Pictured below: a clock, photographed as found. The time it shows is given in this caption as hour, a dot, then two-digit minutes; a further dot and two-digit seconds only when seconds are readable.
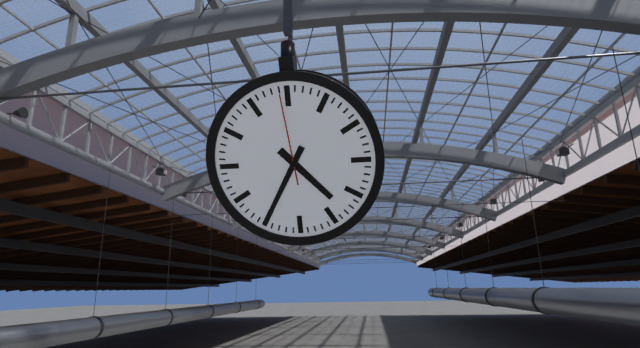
4.35.59
